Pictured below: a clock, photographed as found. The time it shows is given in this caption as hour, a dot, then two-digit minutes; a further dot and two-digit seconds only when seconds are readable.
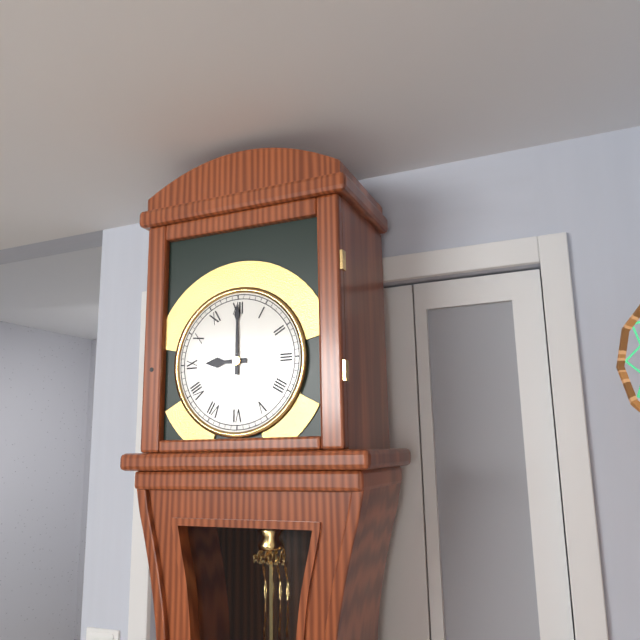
9.00
